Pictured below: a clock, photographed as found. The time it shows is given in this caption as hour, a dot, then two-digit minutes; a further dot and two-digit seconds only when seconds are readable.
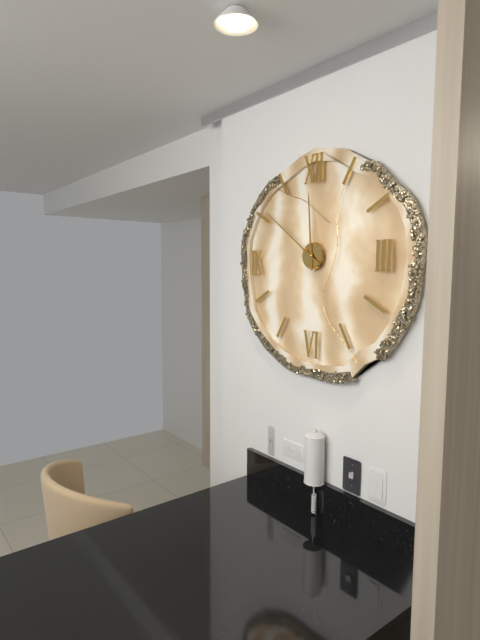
11.51
